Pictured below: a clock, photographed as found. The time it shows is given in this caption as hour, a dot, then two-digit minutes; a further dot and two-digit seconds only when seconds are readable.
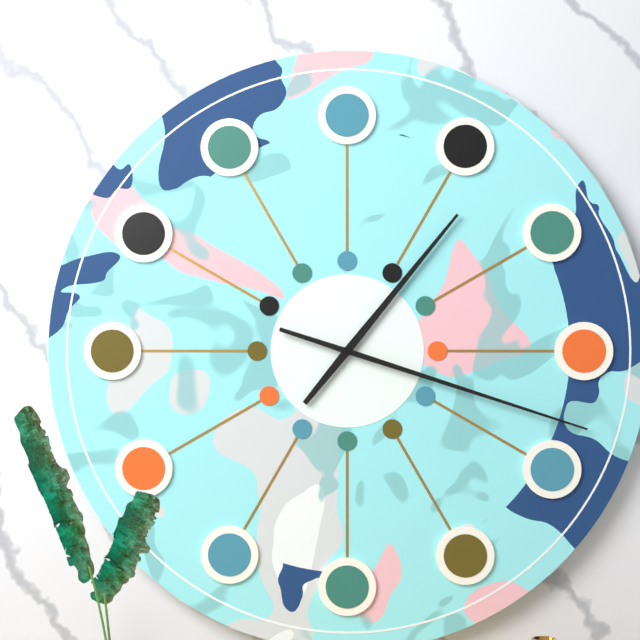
1.18
